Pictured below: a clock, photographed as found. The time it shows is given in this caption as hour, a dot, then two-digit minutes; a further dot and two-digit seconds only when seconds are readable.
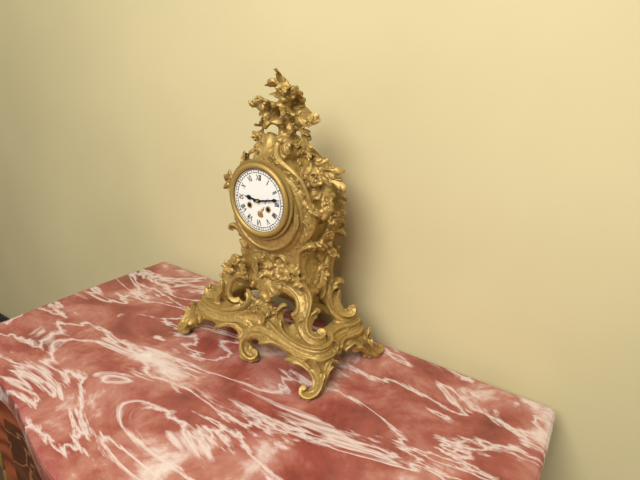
9.13
